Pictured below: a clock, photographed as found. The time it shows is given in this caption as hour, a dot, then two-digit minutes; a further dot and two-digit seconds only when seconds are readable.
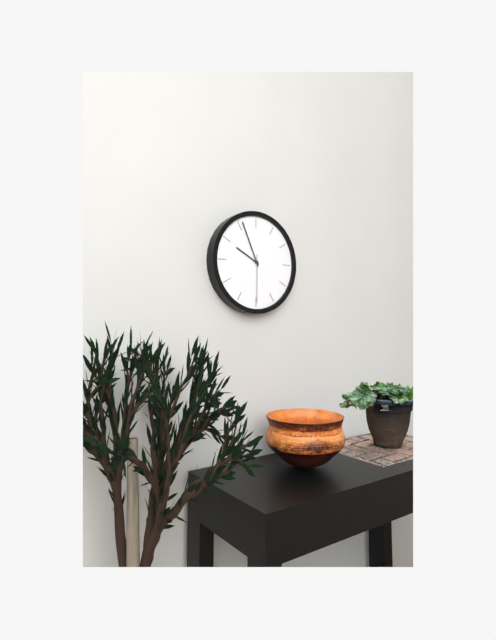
9.56.30
